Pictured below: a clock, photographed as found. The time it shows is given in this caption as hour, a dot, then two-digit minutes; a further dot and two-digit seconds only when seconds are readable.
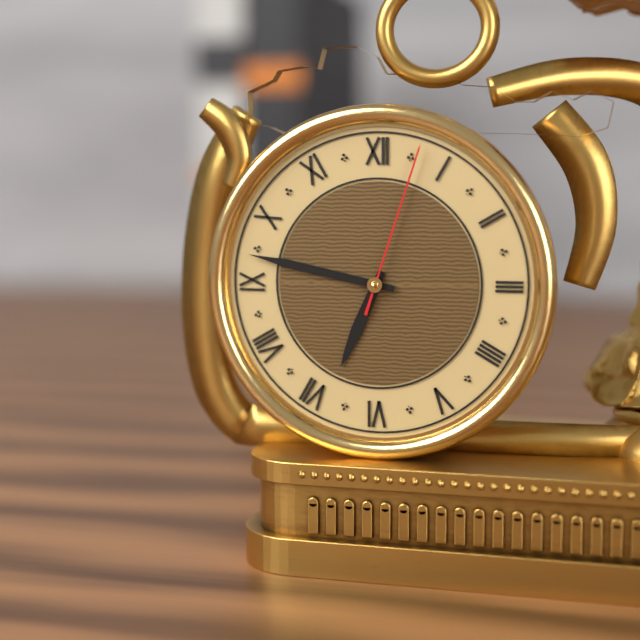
6.47.03
